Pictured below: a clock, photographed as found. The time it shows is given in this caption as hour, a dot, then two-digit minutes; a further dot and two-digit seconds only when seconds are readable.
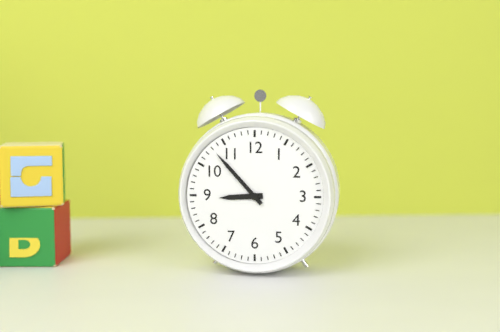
8.53
